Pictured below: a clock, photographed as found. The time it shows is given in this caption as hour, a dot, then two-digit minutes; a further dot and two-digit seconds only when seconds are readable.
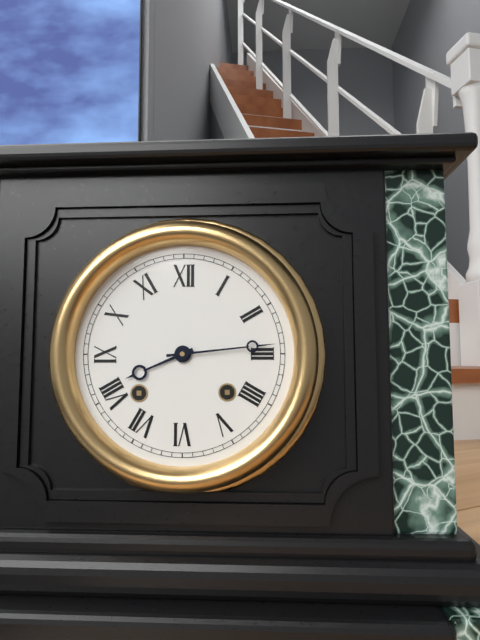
8.14
